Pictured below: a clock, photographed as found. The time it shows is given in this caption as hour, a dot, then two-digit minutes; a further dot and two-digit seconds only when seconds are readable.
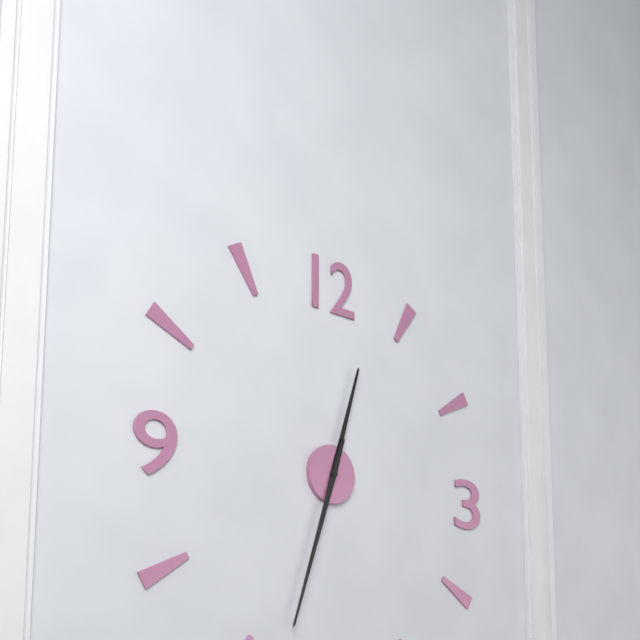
12.33
